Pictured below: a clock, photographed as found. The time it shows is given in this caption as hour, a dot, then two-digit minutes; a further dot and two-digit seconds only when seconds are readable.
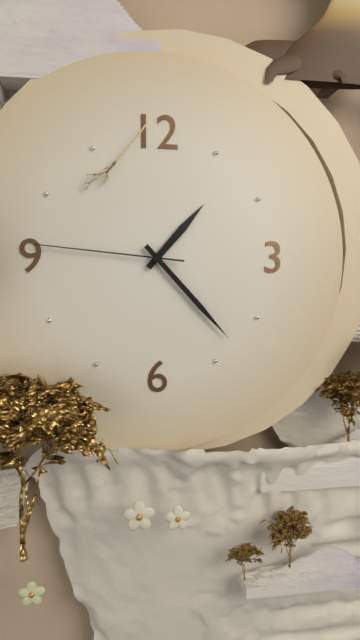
1.23.46
